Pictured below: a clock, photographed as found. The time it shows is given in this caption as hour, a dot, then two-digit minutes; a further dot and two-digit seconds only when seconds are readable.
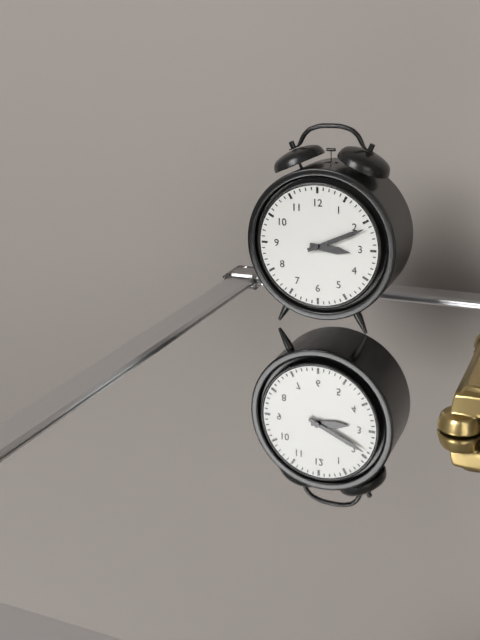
3.11
